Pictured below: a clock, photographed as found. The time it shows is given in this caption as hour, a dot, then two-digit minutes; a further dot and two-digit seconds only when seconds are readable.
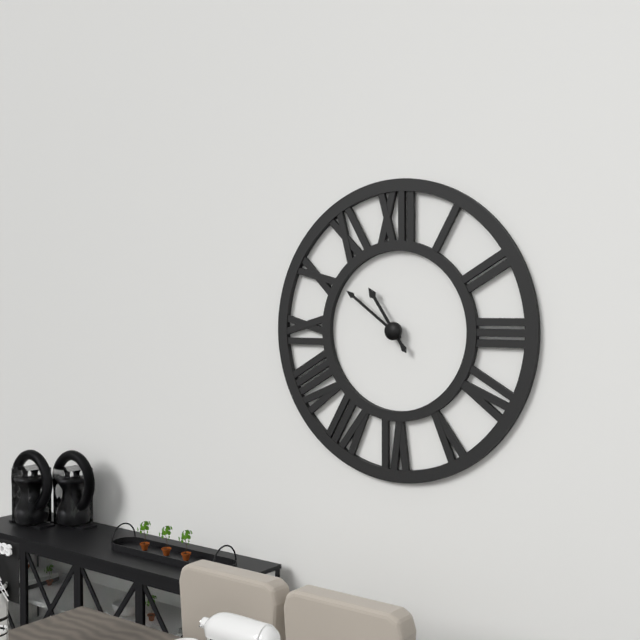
10.51
